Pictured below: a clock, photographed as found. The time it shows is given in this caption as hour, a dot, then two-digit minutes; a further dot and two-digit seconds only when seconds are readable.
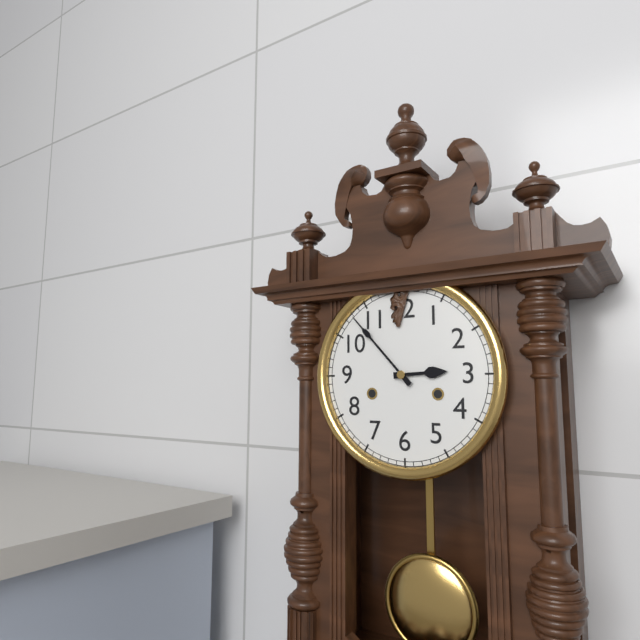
2.53
